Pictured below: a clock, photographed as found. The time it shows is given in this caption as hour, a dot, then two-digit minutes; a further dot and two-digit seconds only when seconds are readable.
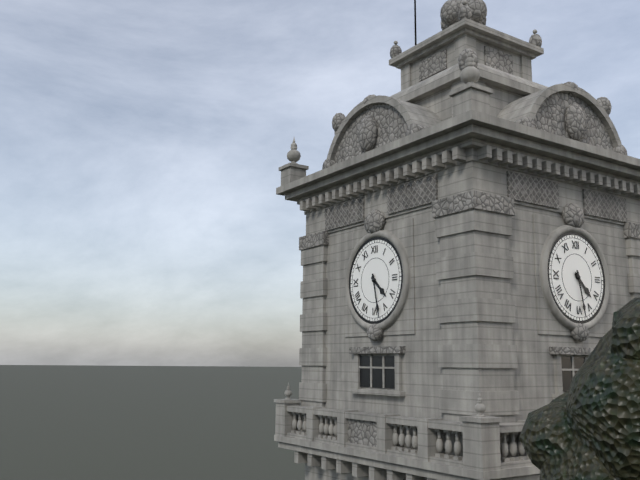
4.28
